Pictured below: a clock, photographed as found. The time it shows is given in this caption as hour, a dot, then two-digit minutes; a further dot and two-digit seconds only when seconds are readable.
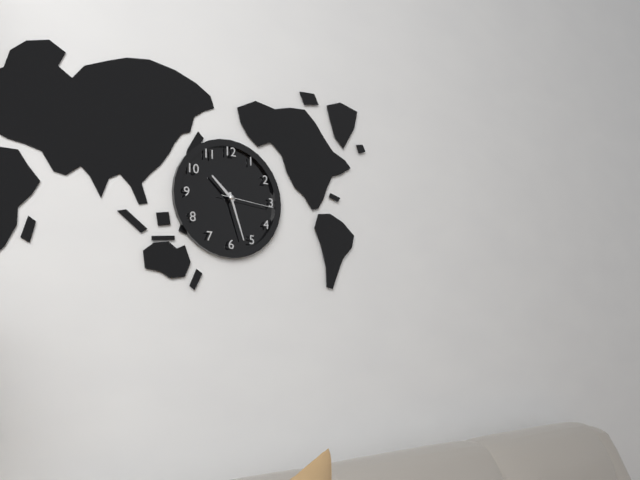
10.27.16
